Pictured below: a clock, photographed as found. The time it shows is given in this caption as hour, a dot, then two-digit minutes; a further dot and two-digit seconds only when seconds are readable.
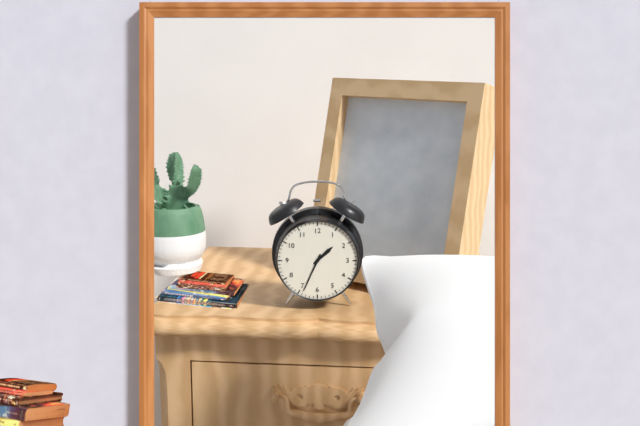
1.34
